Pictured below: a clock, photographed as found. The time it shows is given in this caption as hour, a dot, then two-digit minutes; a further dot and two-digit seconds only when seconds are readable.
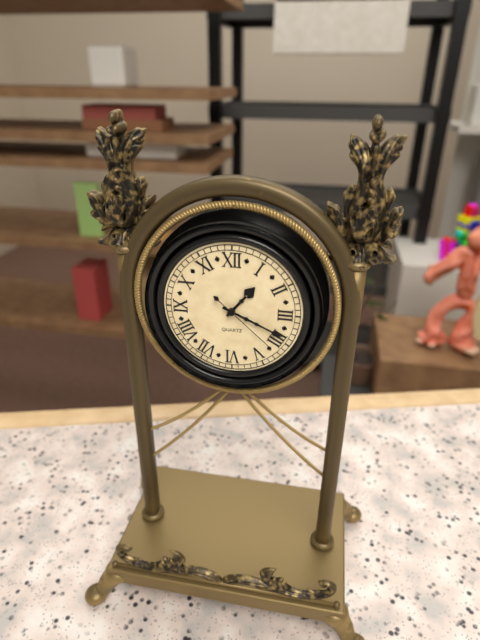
1.19.22
